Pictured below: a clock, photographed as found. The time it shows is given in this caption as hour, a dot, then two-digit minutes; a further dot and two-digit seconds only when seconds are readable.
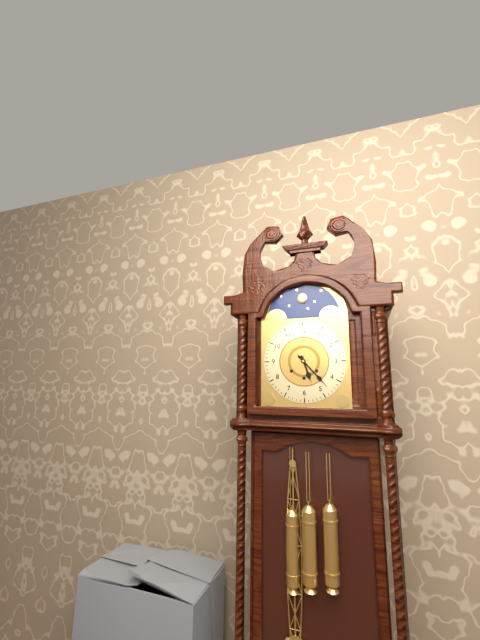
5.23
